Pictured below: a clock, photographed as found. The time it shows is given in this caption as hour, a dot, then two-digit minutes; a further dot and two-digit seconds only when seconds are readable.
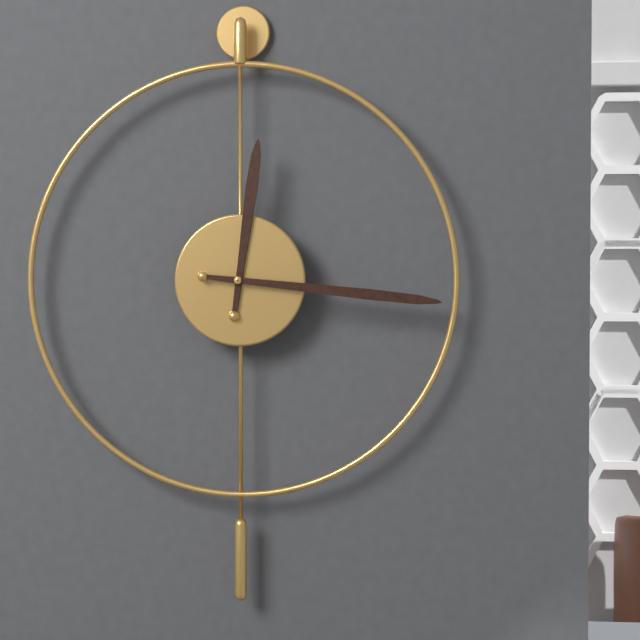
12.16
